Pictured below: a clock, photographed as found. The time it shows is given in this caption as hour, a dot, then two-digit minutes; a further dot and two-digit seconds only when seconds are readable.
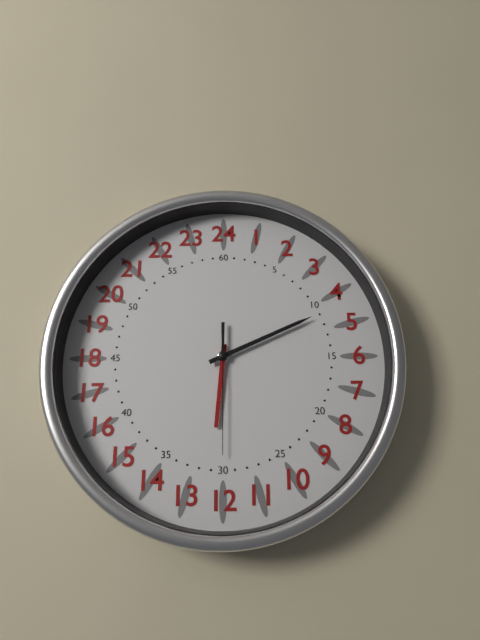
6.11.30
